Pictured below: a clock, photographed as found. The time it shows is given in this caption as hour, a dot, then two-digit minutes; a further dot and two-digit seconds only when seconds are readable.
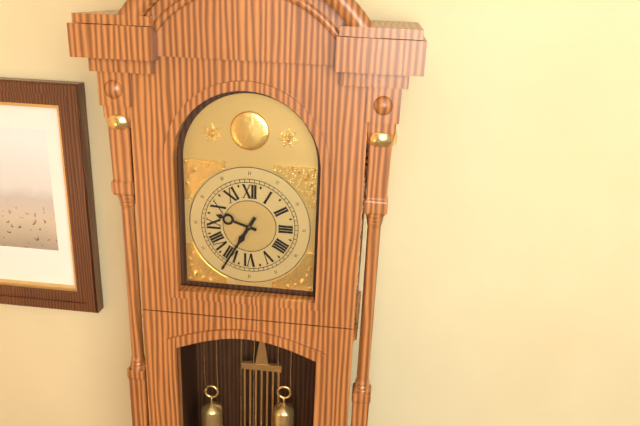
9.35
